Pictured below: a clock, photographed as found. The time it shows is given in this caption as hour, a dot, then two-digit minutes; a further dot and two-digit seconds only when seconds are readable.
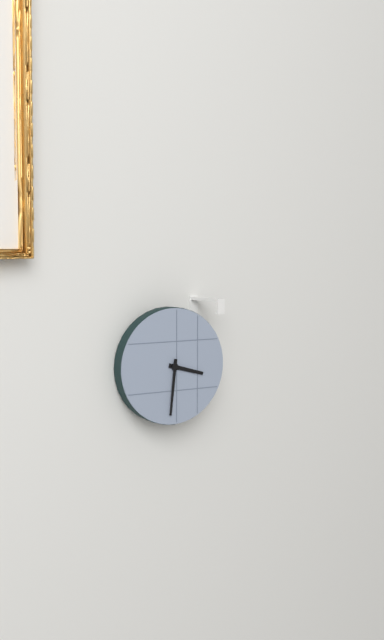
3.31
